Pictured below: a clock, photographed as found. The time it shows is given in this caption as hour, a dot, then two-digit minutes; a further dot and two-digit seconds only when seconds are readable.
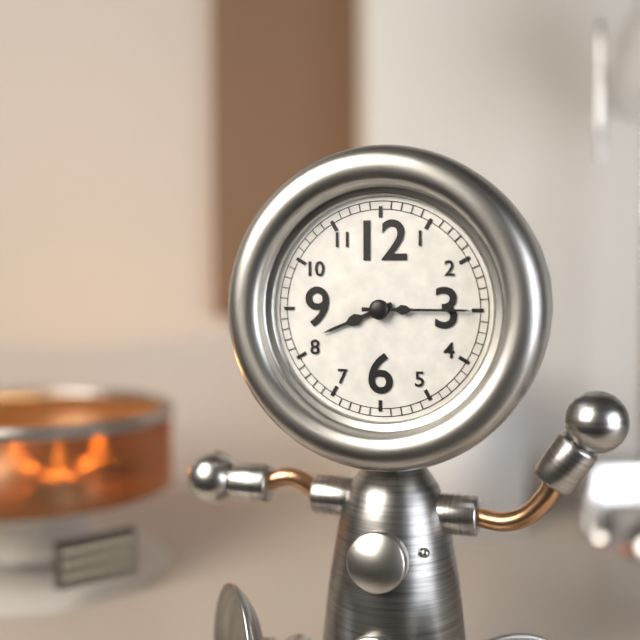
8.15
